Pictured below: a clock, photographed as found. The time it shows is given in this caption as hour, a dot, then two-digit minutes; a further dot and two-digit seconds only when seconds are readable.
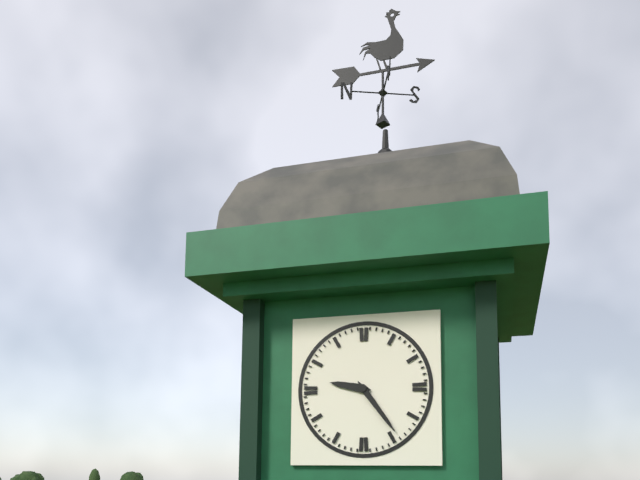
9.24
